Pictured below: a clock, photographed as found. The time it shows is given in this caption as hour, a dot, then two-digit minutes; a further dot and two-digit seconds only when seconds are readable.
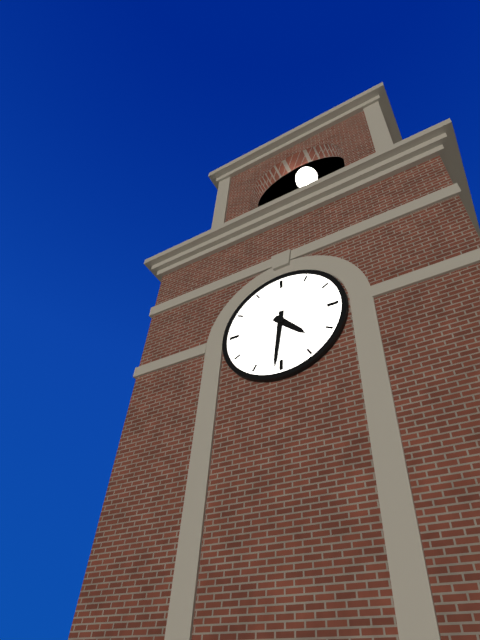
4.31
